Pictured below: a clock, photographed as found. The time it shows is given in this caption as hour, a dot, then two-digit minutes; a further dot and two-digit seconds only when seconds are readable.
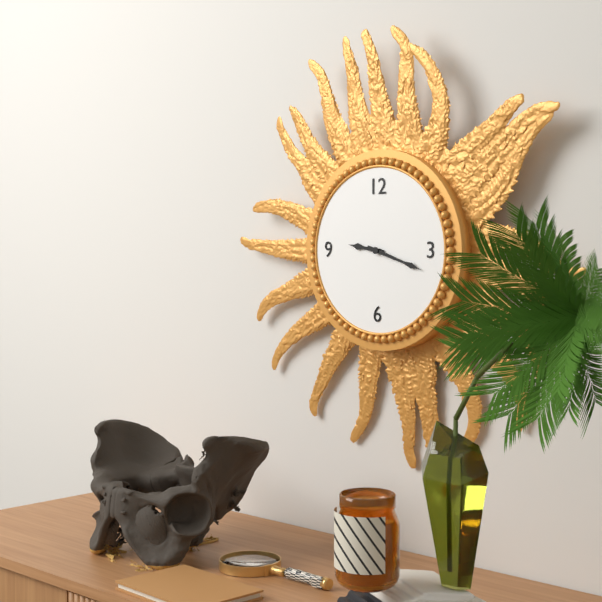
9.18
